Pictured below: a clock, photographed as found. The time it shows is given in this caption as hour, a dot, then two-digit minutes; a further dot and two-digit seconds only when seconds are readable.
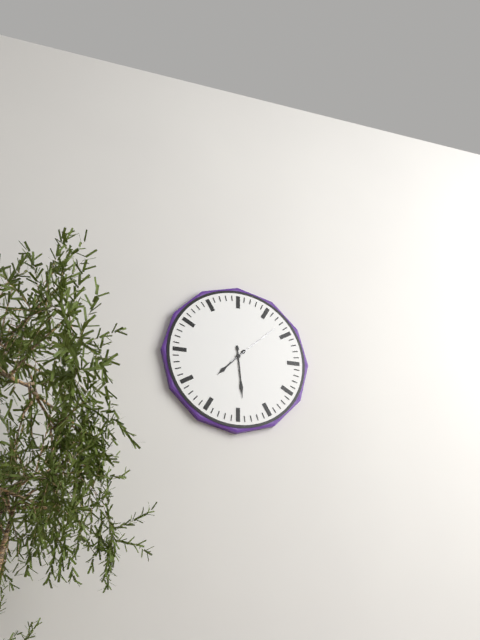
7.29.08
